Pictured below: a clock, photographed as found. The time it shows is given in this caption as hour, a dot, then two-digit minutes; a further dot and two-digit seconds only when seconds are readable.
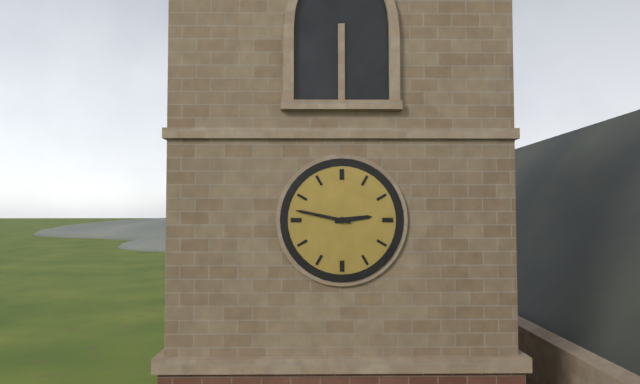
2.47
